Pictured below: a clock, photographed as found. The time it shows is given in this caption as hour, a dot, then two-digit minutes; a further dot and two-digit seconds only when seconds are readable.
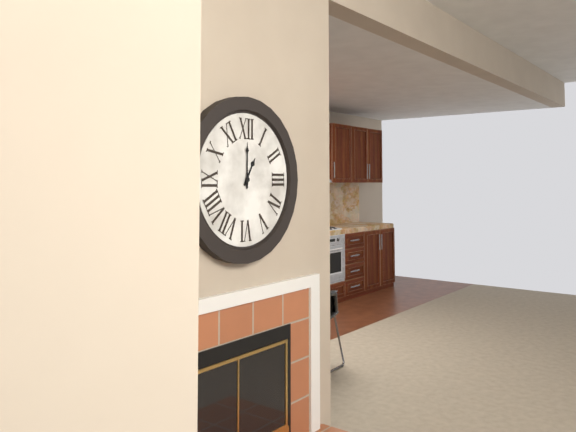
1.00
